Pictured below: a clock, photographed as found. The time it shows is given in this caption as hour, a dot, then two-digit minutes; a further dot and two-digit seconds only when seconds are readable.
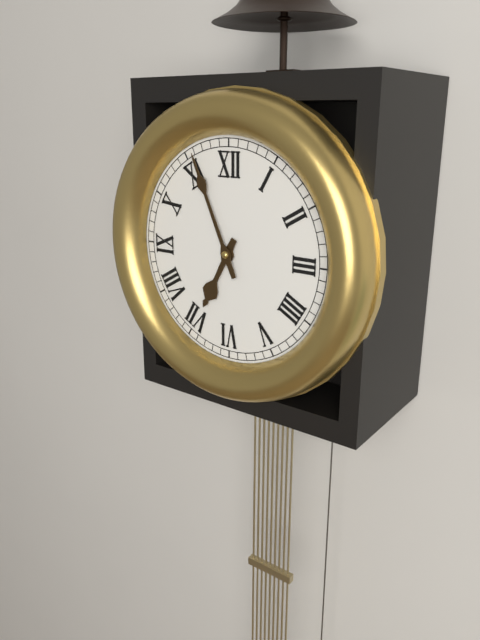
6.56
